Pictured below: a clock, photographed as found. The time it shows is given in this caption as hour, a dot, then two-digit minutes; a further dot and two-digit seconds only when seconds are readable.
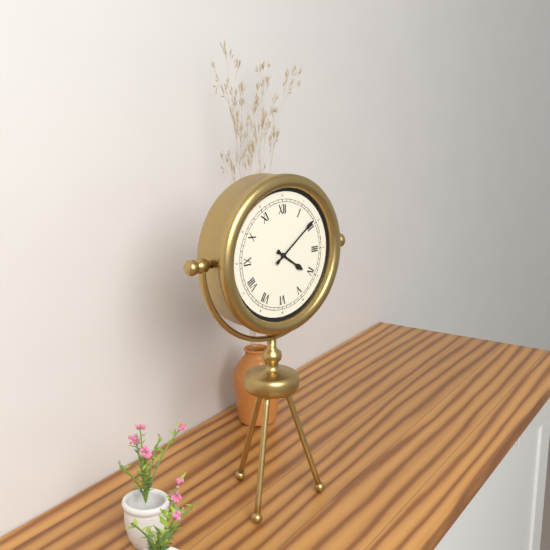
4.09
